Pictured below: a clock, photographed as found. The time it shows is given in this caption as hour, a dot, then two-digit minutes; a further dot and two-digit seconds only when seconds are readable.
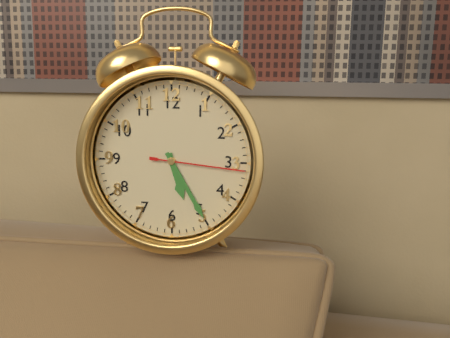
5.25.16
